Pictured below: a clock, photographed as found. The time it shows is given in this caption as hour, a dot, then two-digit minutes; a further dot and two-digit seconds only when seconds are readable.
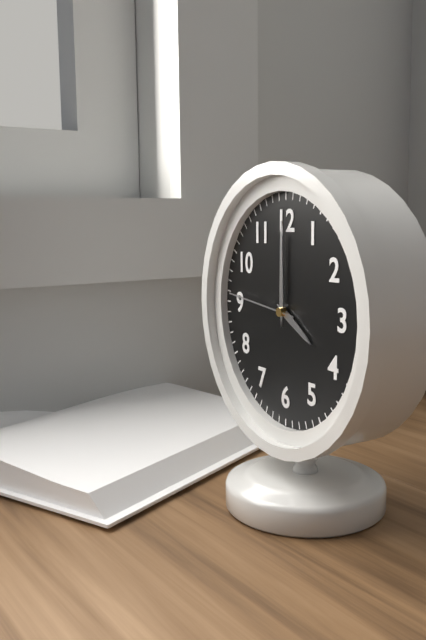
4.00.46
